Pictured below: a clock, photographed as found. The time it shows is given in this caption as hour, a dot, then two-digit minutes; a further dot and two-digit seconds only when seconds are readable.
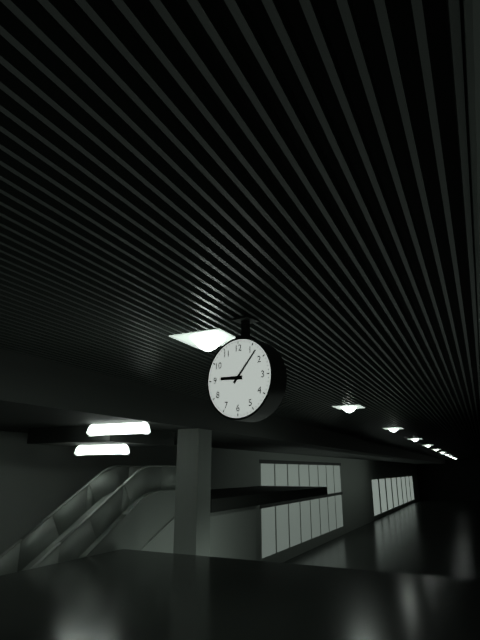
9.07
